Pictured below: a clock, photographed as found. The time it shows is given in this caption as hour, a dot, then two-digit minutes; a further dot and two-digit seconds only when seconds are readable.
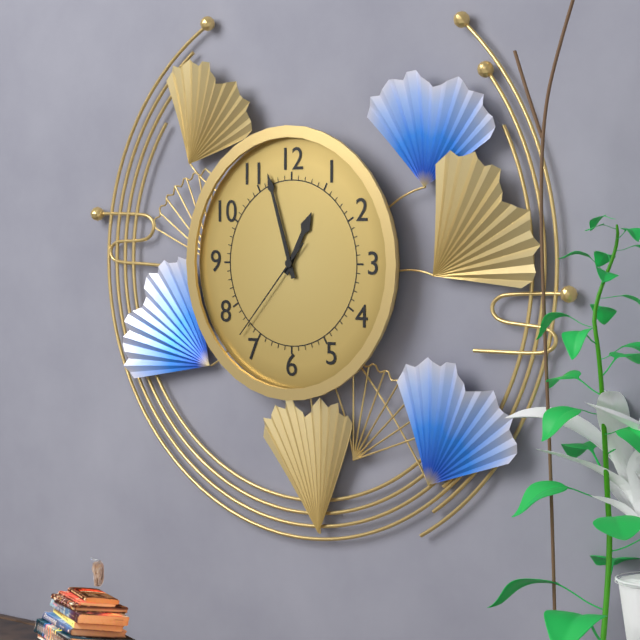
12.57.37
